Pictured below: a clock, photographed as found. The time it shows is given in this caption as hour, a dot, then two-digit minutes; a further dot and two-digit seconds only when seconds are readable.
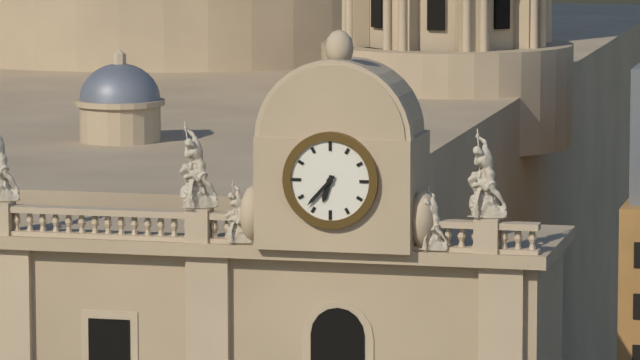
6.37
